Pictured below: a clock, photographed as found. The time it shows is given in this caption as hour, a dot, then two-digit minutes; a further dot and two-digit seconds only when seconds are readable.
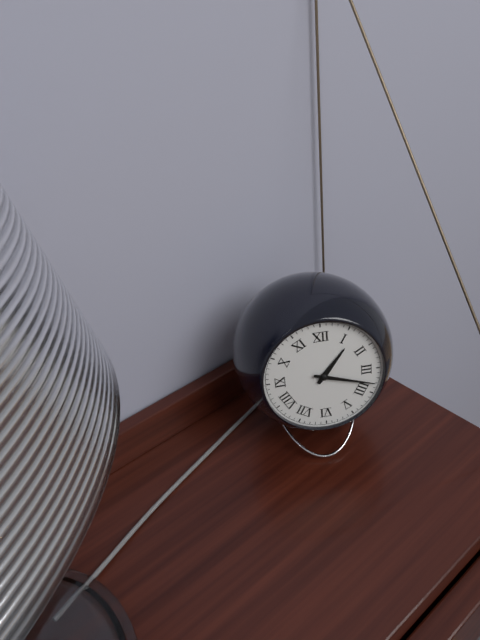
1.18
